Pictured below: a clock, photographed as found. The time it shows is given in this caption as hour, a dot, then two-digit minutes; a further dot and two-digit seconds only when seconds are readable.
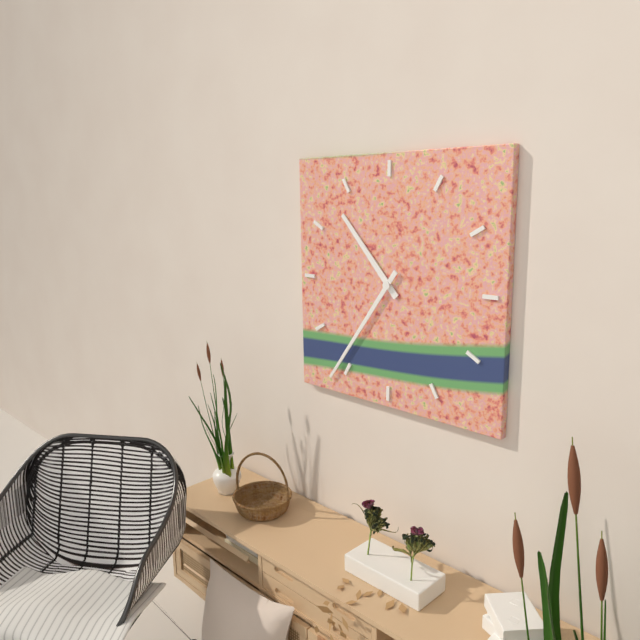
10.36
